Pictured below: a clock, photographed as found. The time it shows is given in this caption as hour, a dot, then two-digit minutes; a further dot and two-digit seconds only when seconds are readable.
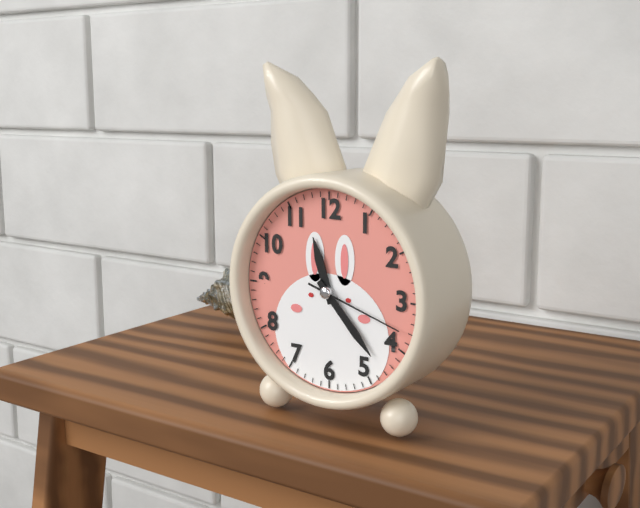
11.23.18
